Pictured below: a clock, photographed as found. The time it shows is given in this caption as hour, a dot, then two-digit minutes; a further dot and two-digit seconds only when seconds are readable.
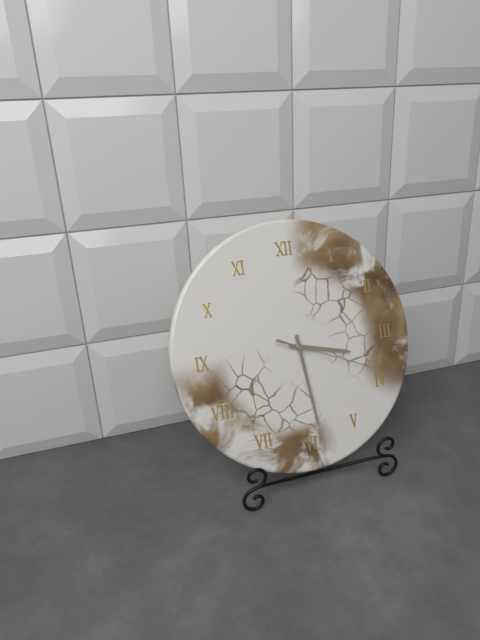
3.29.19
